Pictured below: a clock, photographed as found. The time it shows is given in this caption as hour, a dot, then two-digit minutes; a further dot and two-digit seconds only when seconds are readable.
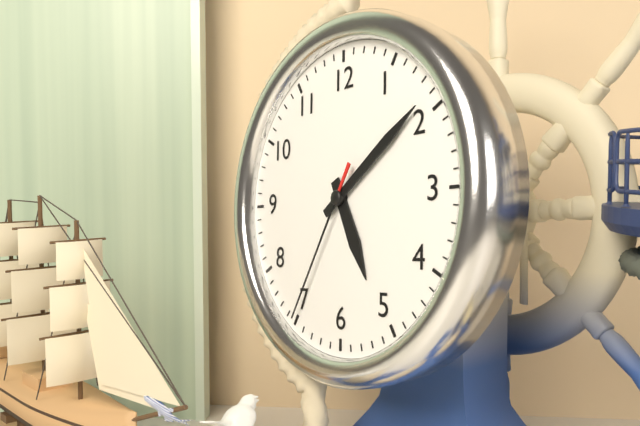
5.09.35
